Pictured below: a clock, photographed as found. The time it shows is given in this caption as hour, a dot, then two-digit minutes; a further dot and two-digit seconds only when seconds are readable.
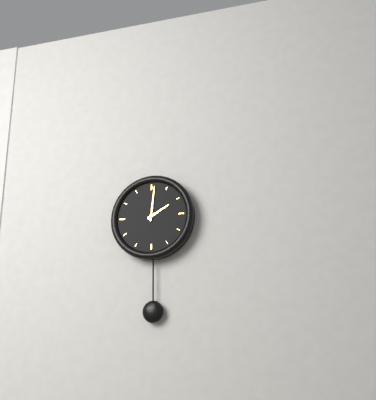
2.01
